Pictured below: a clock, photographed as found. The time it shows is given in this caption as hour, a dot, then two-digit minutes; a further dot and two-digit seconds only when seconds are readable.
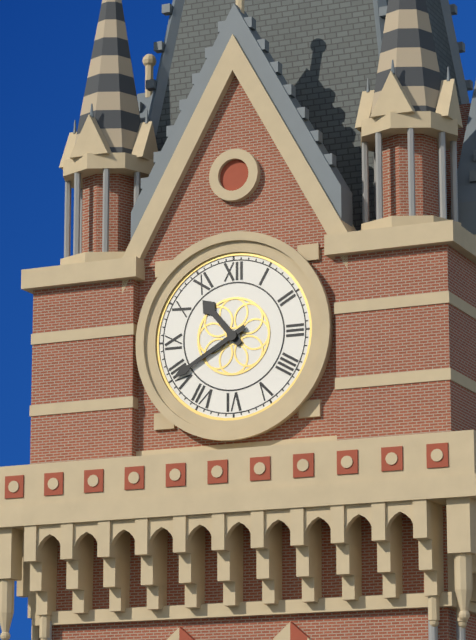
10.40
